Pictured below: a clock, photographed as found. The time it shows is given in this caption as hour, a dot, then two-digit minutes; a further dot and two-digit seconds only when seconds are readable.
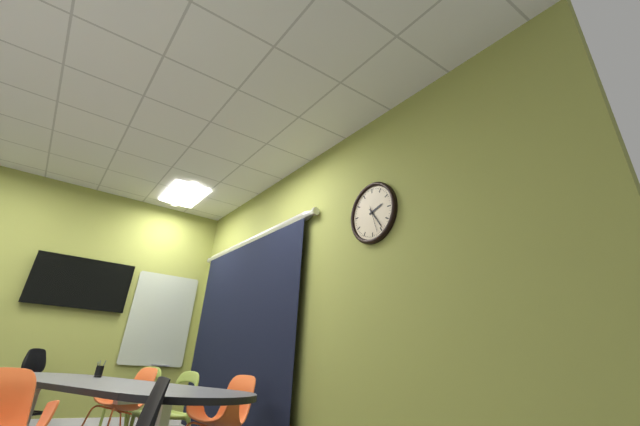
2.24
